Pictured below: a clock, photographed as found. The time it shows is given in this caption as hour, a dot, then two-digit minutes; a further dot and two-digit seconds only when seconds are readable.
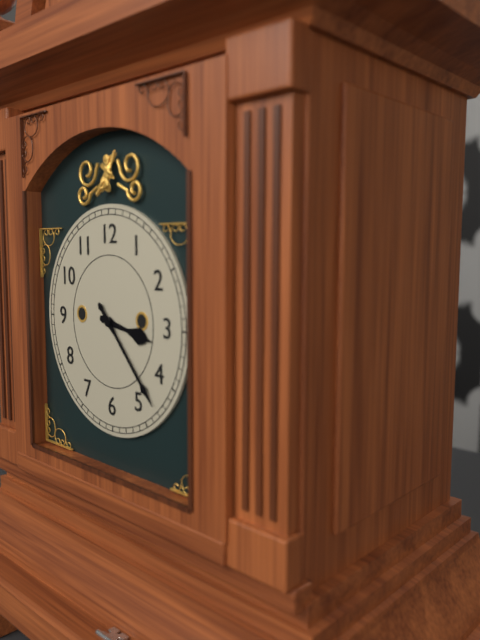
3.23
